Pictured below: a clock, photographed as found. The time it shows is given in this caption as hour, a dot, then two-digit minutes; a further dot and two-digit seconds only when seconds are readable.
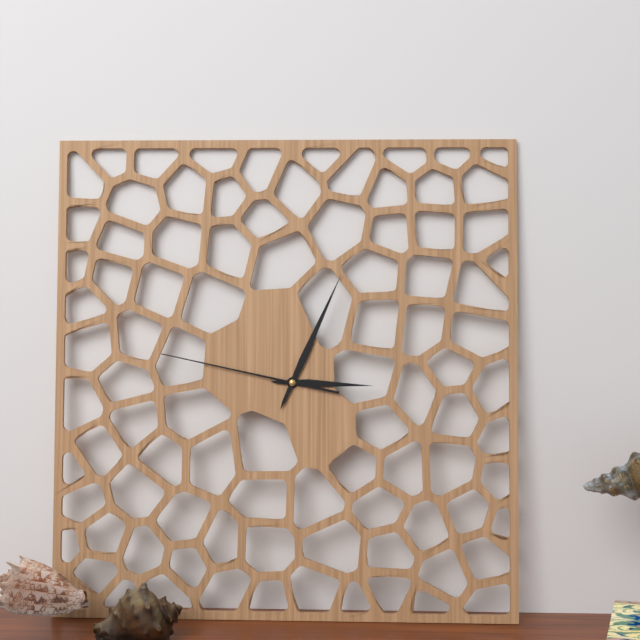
3.04.47
